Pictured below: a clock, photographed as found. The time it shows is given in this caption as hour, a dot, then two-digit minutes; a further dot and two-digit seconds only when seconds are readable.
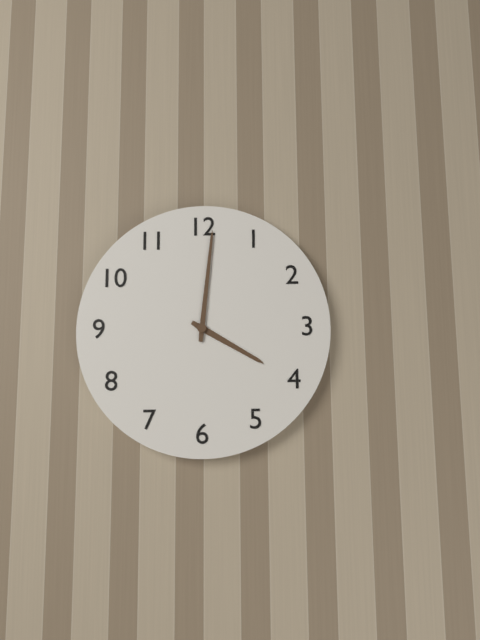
4.01
